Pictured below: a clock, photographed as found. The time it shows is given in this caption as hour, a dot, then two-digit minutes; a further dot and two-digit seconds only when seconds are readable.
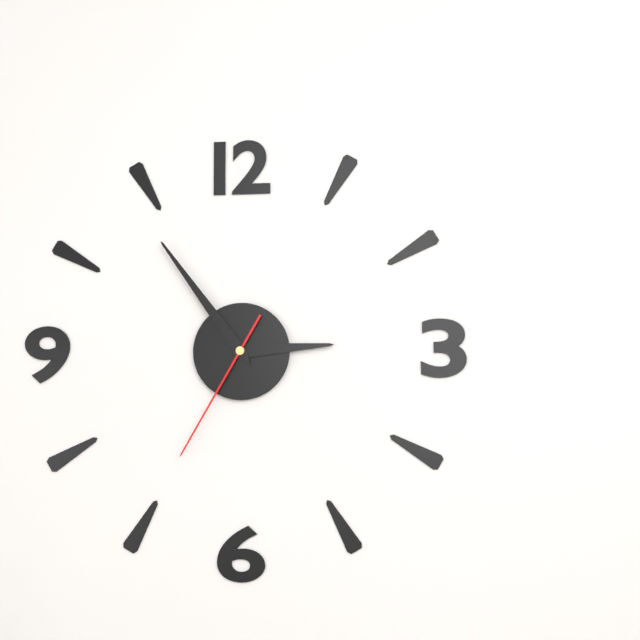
2.54.35
